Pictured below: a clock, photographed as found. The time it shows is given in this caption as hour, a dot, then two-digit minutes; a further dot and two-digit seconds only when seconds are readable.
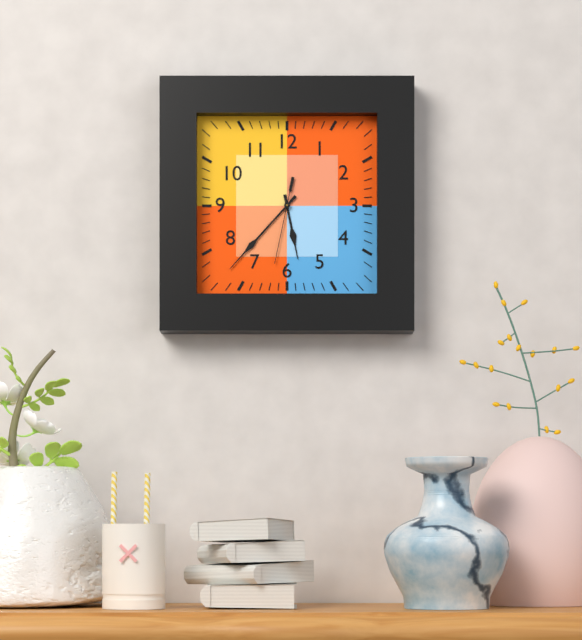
5.37.32
